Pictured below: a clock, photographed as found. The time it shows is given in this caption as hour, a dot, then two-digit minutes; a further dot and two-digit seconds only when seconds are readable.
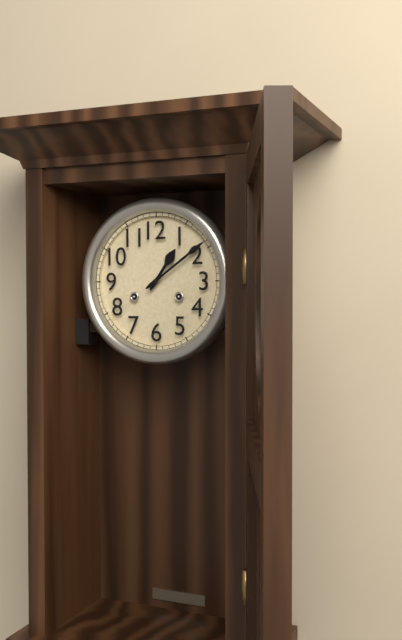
1.09
